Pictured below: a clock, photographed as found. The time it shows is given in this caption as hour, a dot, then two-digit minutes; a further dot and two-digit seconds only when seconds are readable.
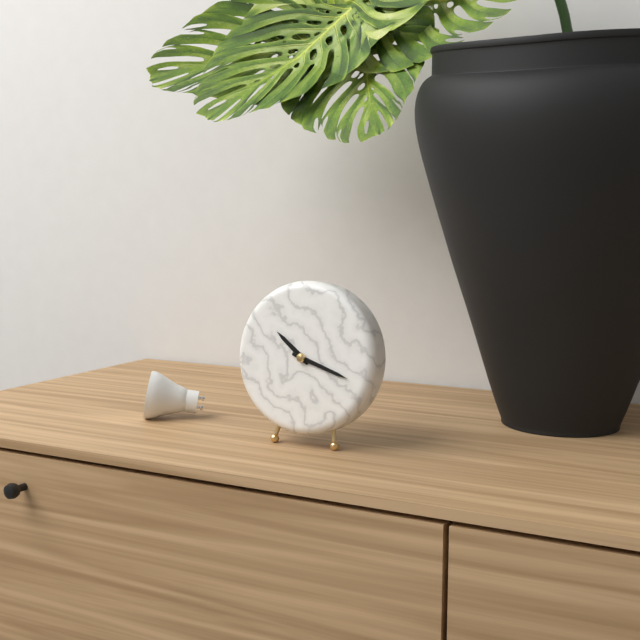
10.18
